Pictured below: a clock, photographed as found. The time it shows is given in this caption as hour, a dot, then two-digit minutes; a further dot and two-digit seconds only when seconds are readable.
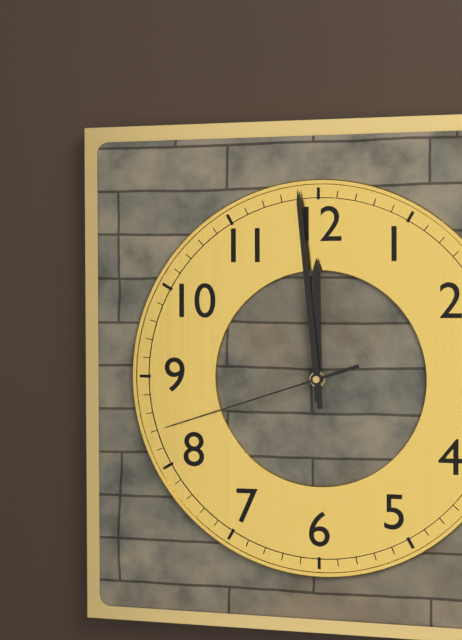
11.59.42
